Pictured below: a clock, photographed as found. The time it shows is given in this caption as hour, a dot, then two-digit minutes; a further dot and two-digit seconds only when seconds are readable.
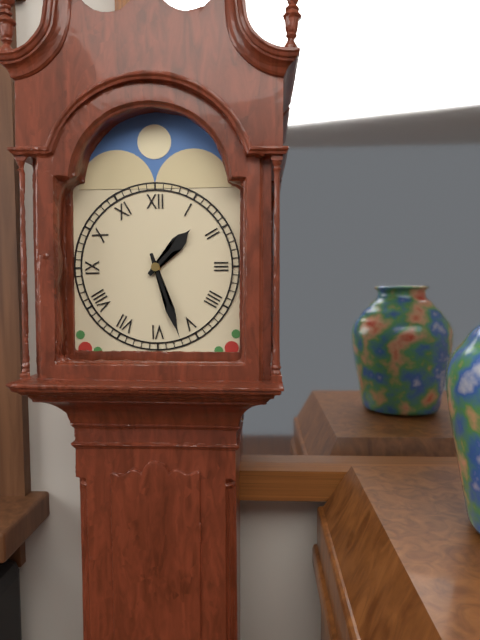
1.27
